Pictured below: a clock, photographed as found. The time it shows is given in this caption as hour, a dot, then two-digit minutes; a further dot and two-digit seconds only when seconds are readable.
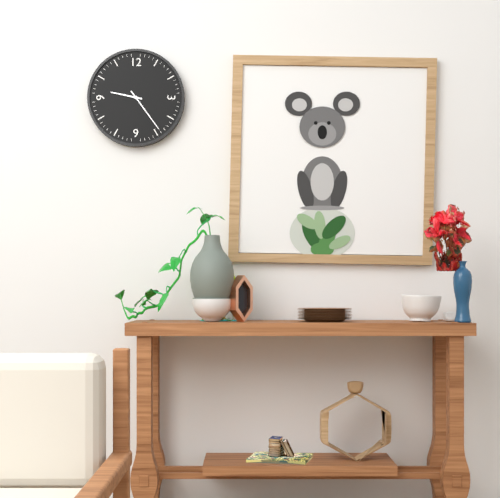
9.24
